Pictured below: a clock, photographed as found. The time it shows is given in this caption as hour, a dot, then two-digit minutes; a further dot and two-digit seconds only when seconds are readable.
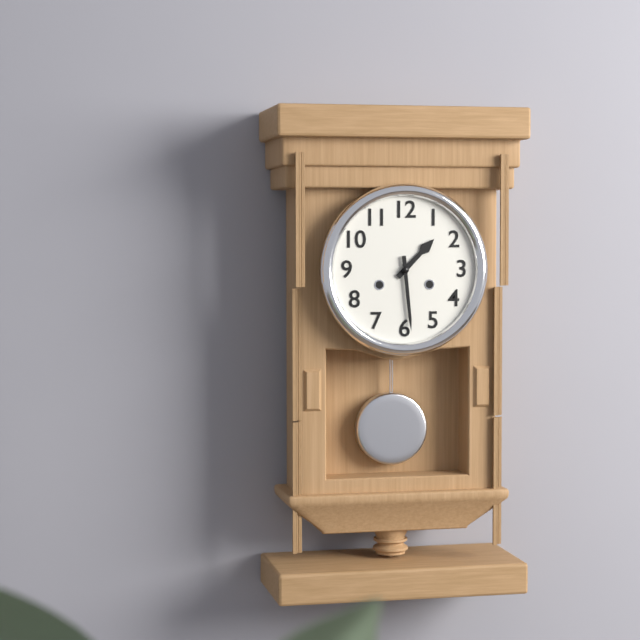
1.29
